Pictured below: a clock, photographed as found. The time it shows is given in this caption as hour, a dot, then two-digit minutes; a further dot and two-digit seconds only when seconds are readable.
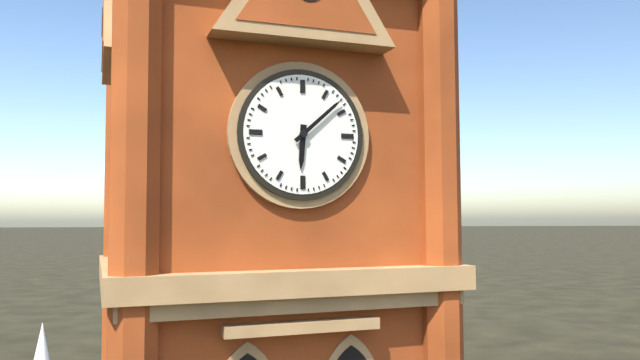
6.08
